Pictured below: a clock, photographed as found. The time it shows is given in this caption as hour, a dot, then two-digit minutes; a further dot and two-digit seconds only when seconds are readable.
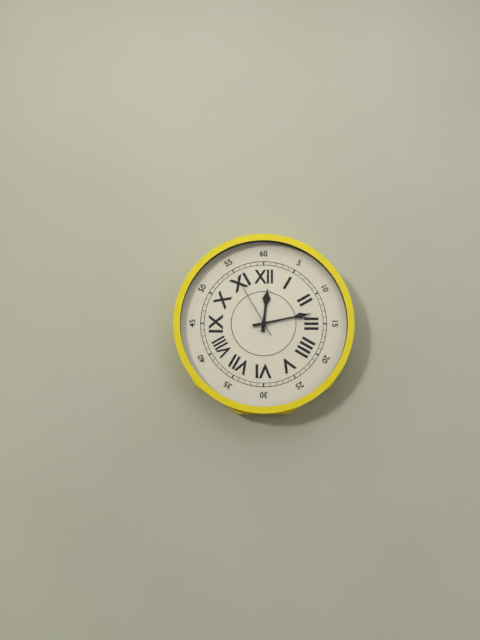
12.13.55
